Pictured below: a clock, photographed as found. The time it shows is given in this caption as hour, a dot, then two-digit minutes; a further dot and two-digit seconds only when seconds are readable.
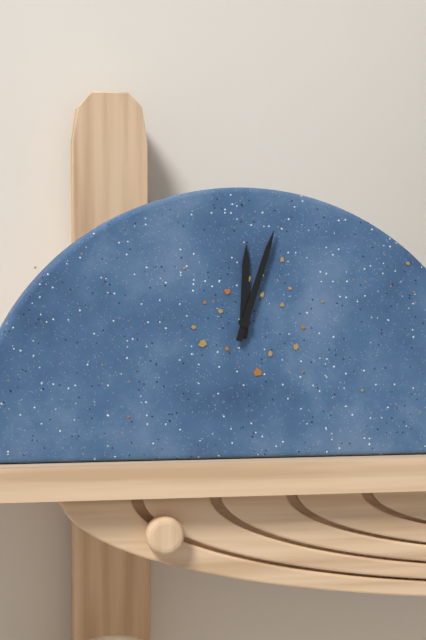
12.03
